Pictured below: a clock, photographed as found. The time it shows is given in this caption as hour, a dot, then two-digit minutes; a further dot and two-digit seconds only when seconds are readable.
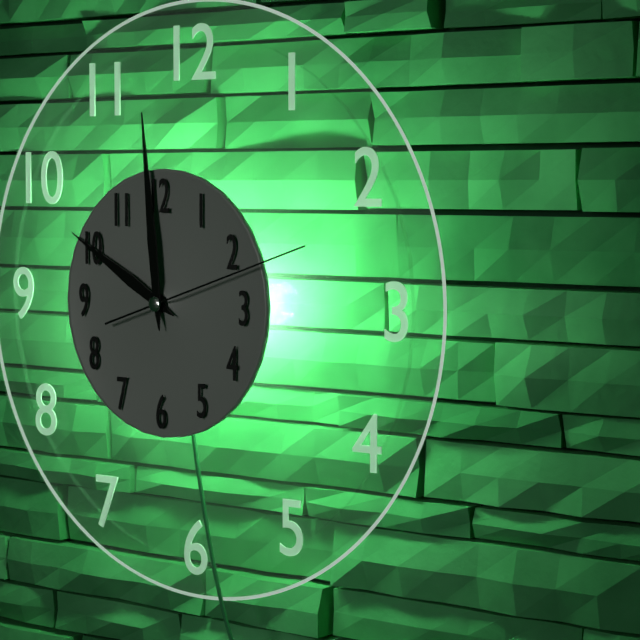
9.59.12
